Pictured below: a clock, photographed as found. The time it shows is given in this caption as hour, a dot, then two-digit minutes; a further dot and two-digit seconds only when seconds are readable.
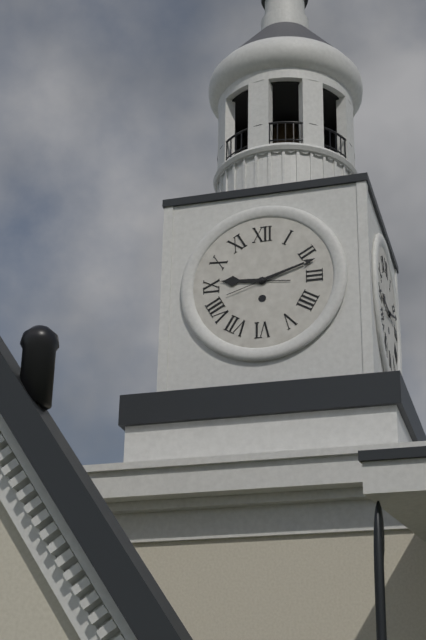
9.12
